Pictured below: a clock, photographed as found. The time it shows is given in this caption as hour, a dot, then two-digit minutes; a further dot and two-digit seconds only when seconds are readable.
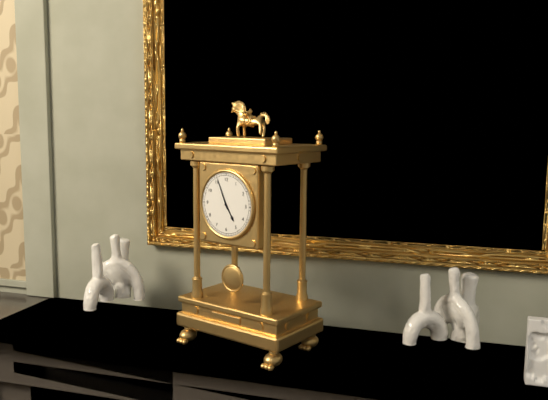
4.56
